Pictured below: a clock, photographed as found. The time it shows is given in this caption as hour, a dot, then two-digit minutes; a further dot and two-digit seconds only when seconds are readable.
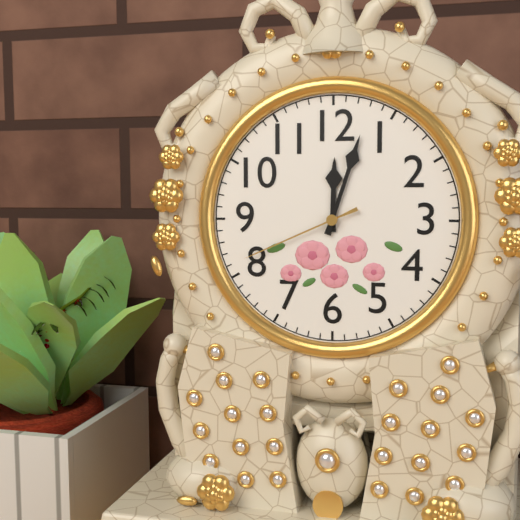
12.03.41
